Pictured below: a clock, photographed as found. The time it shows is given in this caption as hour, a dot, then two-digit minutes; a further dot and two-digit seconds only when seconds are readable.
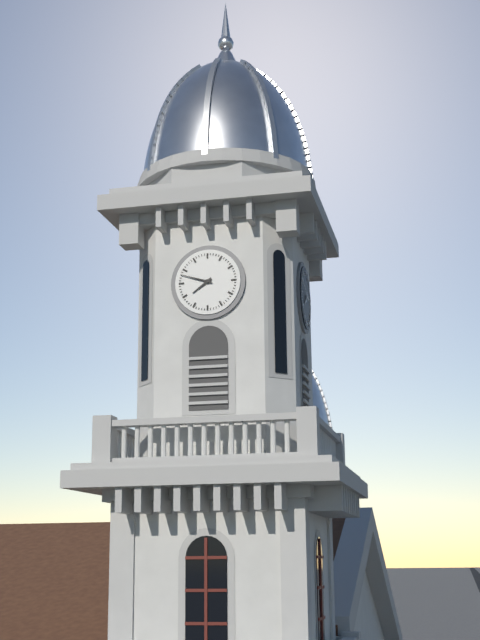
7.48
